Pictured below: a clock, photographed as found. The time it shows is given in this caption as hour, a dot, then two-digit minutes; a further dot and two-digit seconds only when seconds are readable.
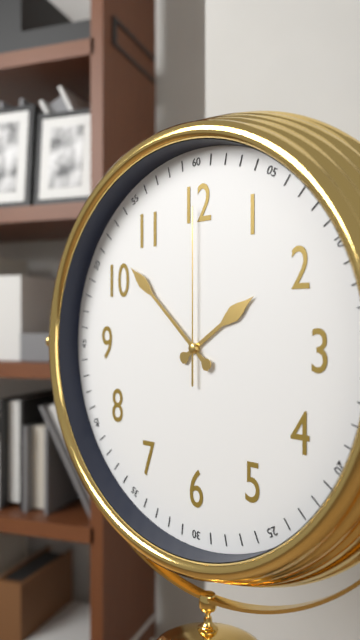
1.52.00
